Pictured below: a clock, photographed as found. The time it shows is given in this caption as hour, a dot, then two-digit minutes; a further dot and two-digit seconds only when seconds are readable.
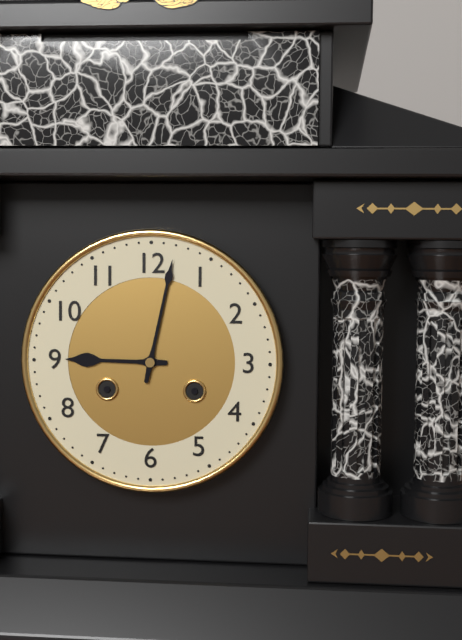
9.02
